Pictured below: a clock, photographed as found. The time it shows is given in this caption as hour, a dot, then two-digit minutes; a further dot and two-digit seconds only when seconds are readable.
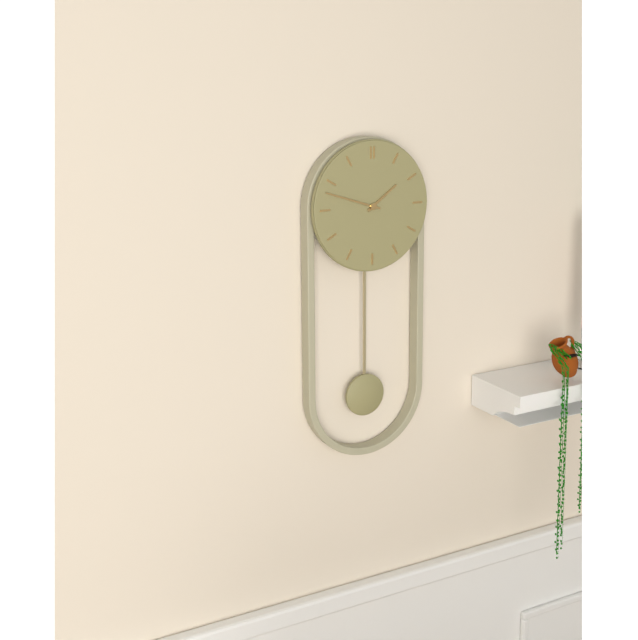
1.48
